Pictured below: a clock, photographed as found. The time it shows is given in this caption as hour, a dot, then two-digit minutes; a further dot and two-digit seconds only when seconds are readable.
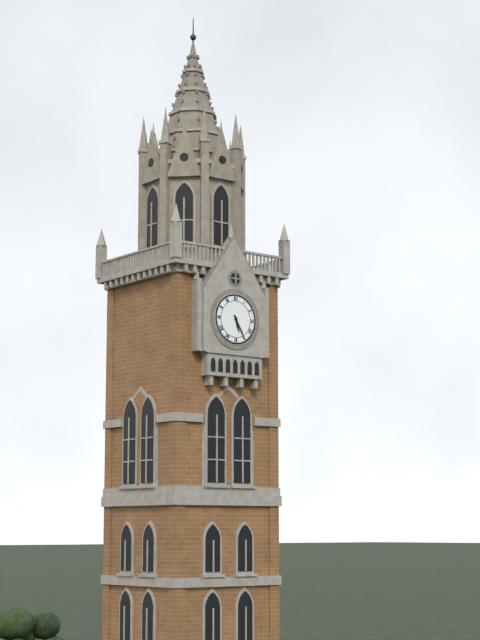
5.25
